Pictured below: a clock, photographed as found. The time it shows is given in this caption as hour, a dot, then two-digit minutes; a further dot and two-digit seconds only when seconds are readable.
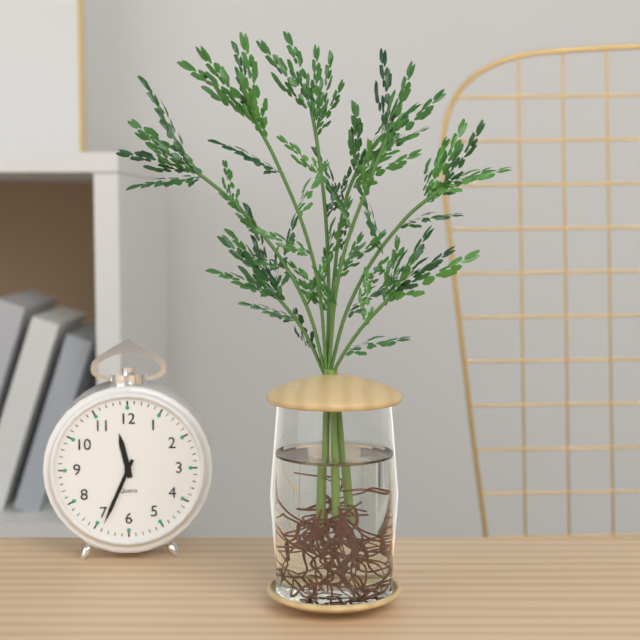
11.34
